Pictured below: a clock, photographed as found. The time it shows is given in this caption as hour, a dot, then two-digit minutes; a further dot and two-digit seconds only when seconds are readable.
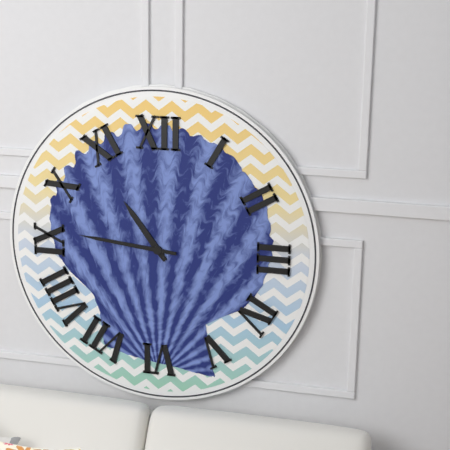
10.46
